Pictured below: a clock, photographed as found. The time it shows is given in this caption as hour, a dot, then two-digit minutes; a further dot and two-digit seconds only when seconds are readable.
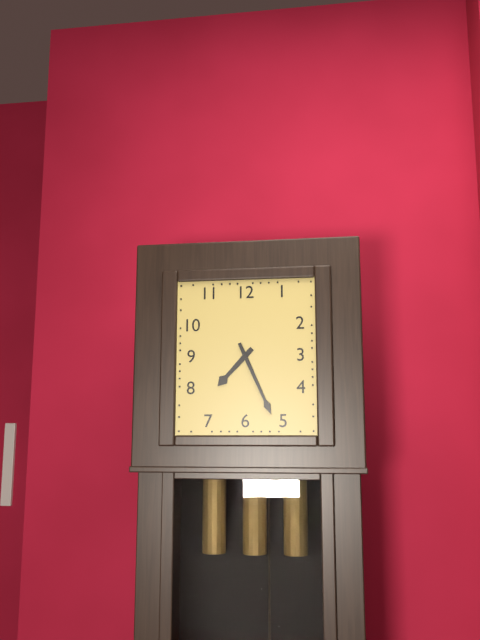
7.26
